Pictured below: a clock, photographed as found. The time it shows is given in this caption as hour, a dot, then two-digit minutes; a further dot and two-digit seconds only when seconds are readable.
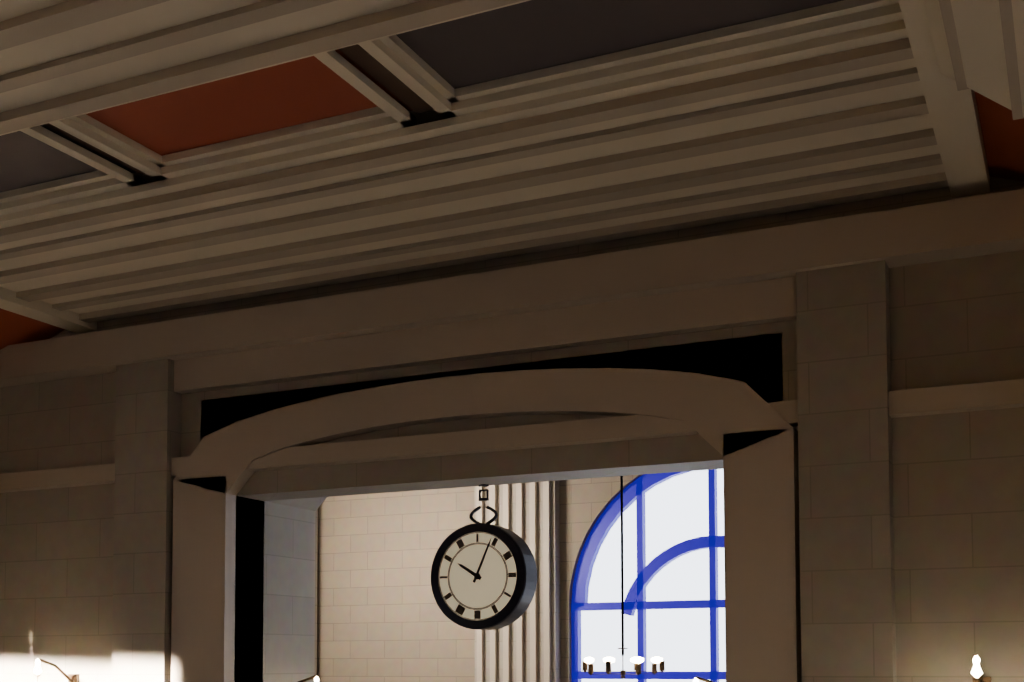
10.04
